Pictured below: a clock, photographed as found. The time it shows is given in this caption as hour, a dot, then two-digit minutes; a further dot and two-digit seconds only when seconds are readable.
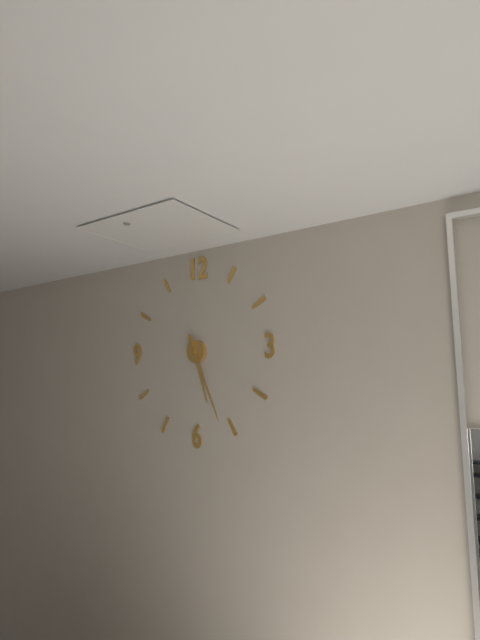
5.26
